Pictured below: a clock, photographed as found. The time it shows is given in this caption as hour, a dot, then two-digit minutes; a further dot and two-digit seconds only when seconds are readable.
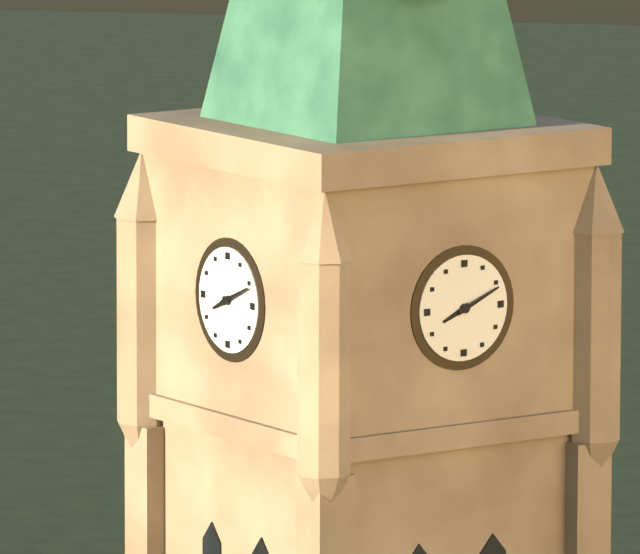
8.11
